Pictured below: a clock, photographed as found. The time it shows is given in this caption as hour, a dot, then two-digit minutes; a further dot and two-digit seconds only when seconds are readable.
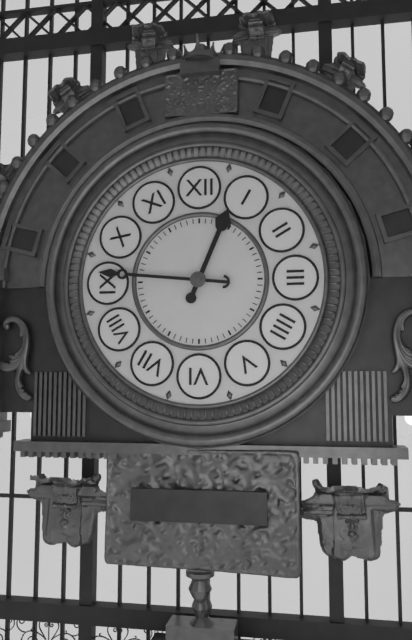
12.46
